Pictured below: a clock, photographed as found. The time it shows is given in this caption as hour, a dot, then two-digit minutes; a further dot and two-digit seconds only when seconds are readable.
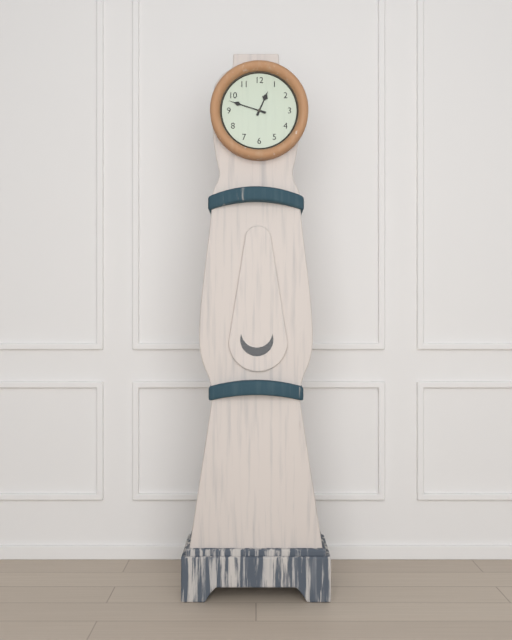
12.48
